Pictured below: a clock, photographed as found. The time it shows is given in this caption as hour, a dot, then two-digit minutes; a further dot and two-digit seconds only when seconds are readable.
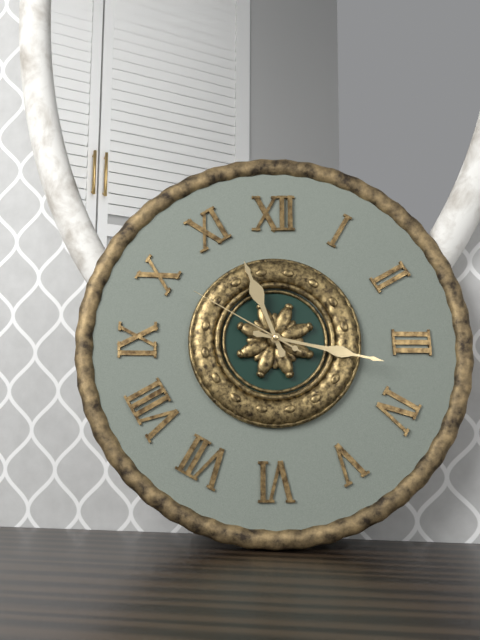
11.17.50
